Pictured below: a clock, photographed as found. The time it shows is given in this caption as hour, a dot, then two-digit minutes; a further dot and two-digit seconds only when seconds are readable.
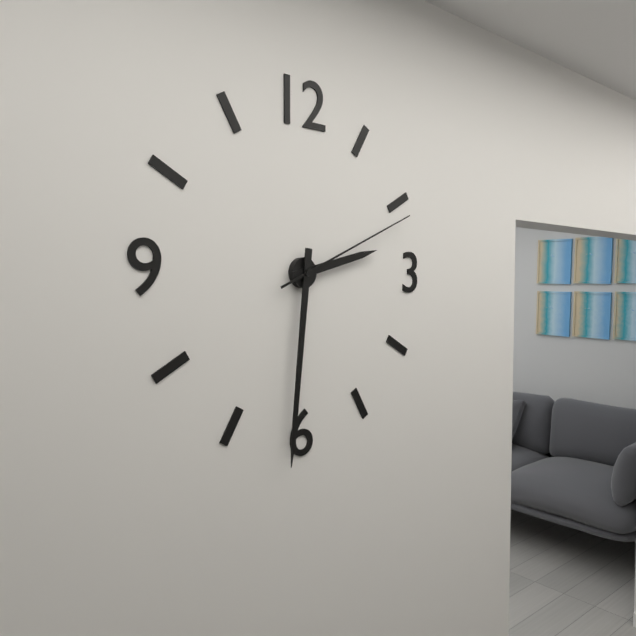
2.31.11
